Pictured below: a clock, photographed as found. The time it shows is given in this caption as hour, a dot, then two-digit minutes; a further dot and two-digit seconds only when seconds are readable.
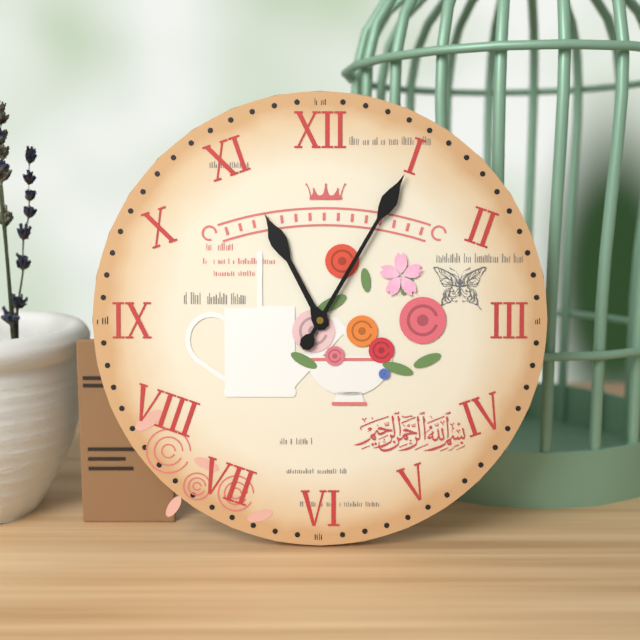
11.05
